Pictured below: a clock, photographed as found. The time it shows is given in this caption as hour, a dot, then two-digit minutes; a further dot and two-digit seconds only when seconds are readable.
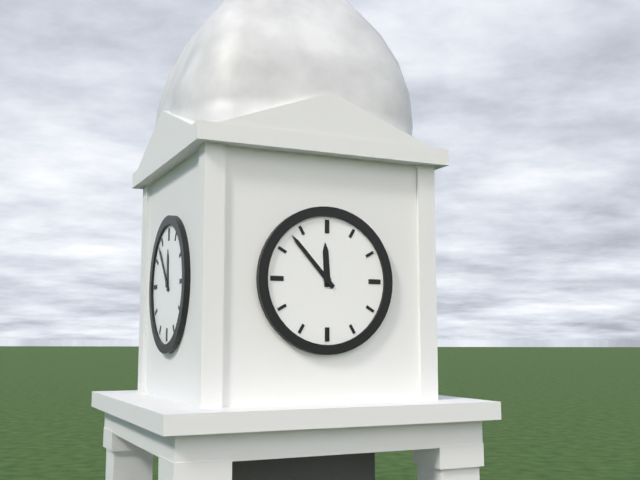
11.53
